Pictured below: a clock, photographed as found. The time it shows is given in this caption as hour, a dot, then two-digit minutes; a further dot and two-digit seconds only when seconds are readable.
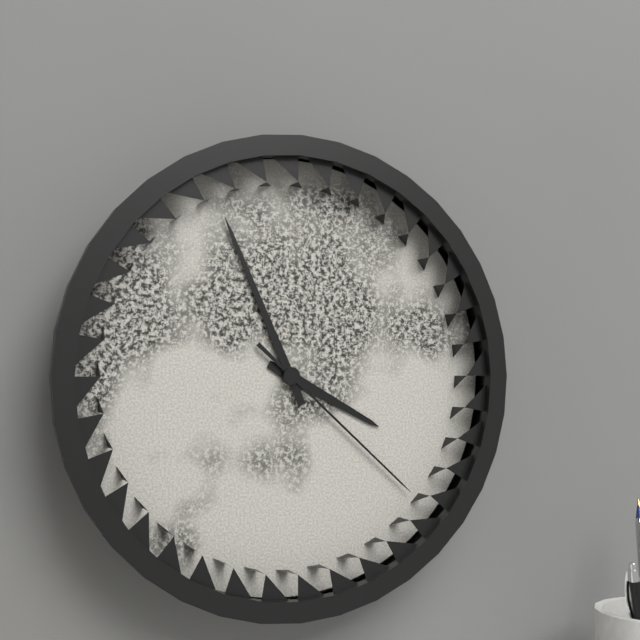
3.56.22
